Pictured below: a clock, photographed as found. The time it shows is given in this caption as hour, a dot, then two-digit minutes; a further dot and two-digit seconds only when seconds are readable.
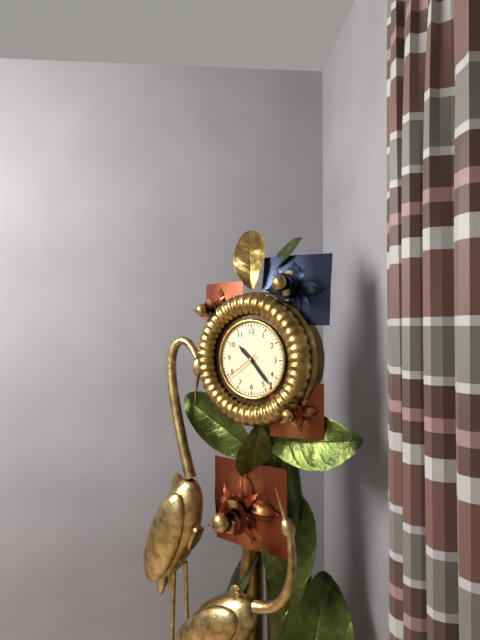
10.23
